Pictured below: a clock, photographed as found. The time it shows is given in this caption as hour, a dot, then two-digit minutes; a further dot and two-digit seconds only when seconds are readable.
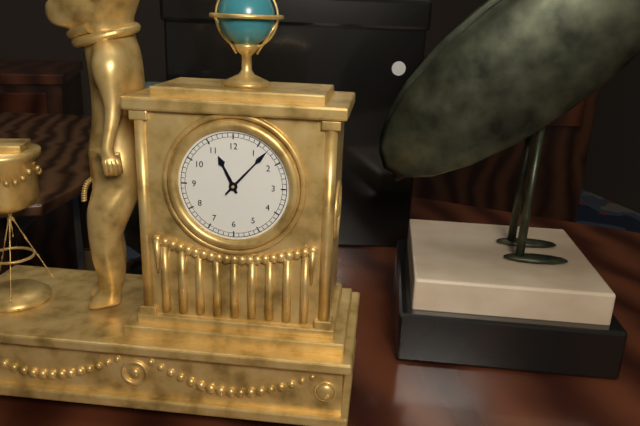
11.07
